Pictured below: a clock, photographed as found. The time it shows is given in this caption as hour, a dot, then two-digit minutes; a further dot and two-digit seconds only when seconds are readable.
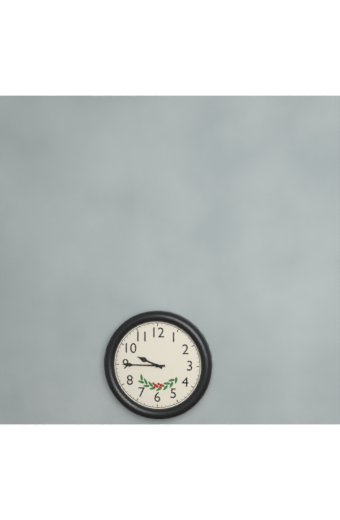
9.45
